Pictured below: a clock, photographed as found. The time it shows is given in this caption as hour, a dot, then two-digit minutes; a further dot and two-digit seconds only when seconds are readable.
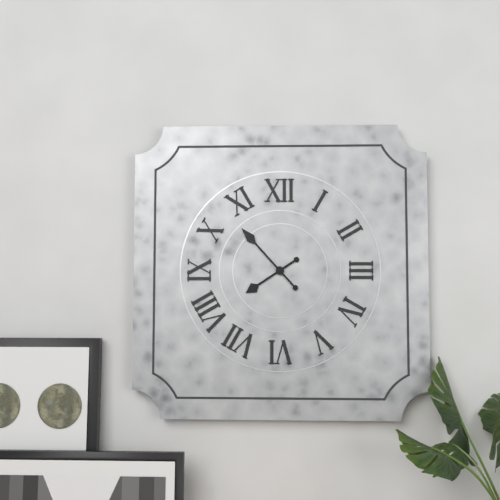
7.53
